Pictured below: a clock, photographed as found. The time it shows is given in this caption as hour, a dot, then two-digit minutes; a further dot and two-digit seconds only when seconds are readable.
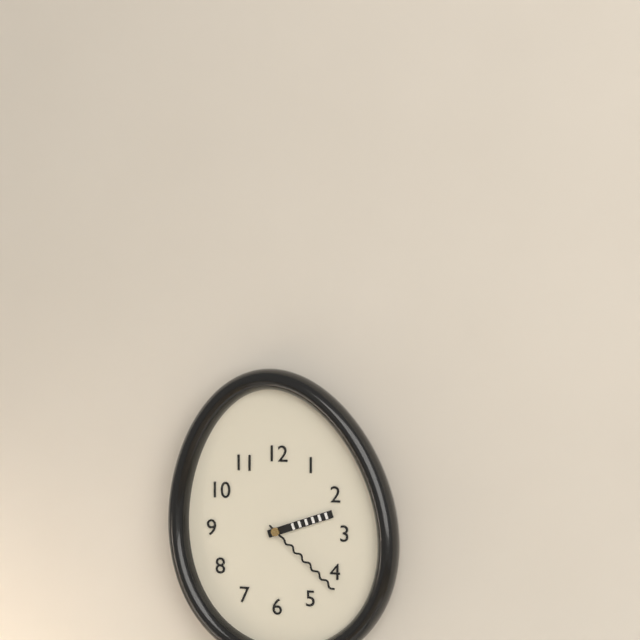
2.22
